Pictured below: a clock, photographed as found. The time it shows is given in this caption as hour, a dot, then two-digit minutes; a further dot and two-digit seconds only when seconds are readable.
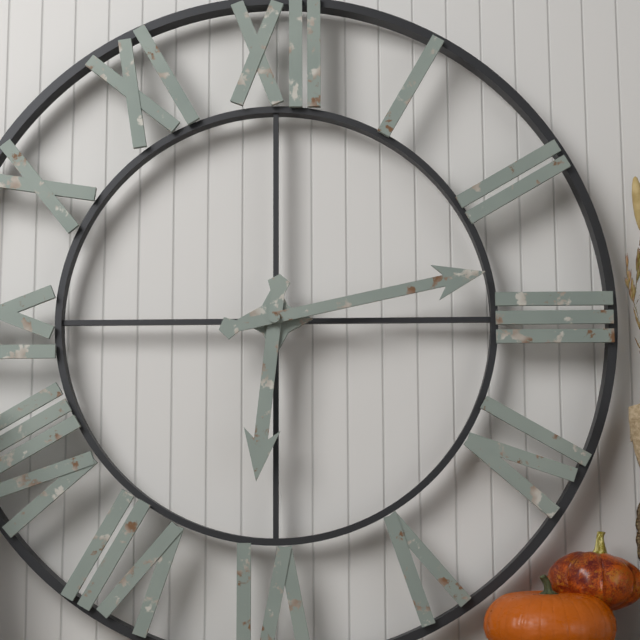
6.13
